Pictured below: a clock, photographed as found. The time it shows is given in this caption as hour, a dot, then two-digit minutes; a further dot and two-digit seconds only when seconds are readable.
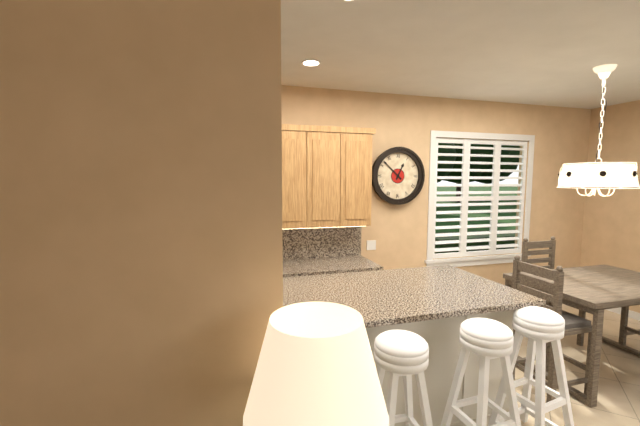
12.52
